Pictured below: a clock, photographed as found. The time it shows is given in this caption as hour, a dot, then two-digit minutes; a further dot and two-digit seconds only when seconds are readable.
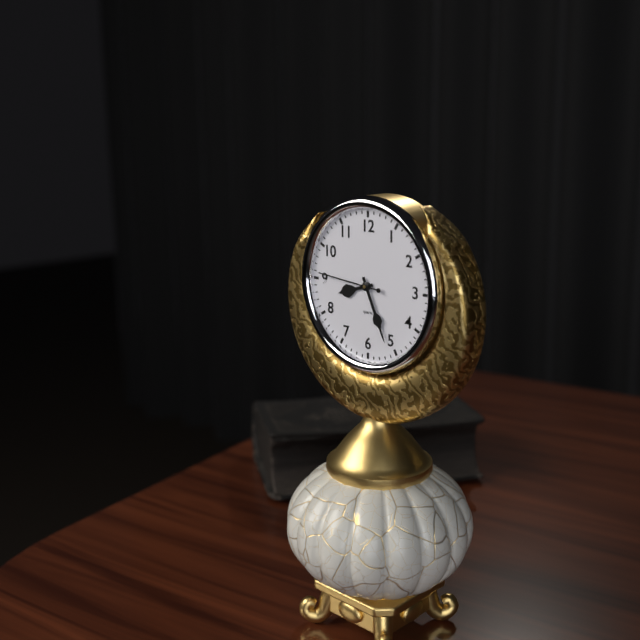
8.26.46
